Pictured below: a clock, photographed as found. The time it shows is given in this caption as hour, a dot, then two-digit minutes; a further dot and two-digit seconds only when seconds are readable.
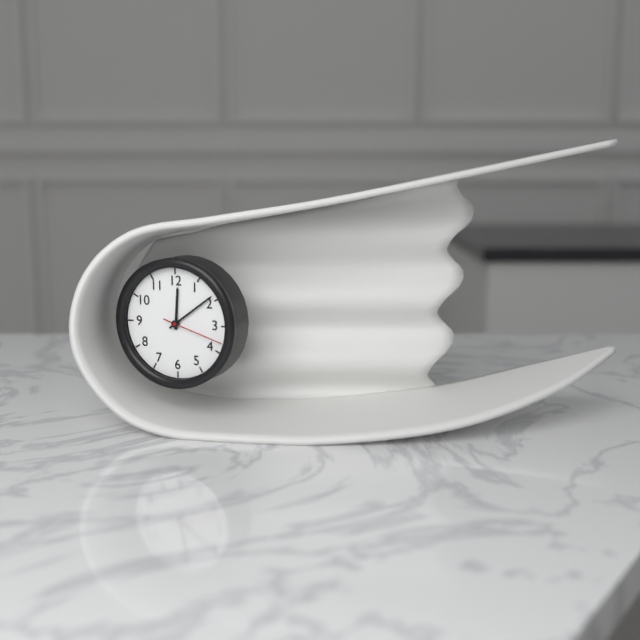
12.09.18
